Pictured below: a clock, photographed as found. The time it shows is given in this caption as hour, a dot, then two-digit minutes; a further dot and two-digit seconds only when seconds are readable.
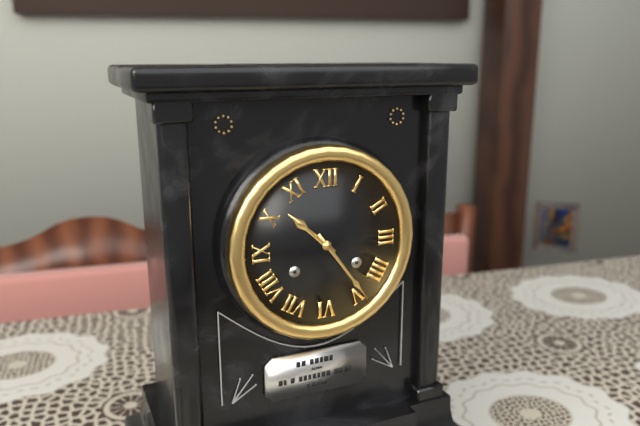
10.24
